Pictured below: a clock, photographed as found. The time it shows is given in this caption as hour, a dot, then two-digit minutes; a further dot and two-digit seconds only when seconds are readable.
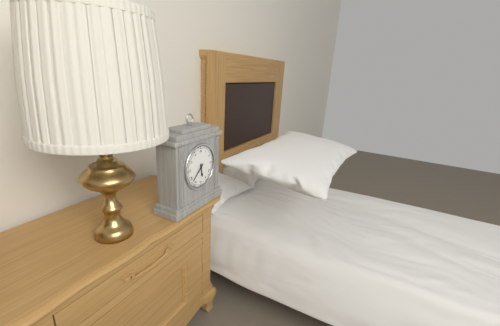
5.38
